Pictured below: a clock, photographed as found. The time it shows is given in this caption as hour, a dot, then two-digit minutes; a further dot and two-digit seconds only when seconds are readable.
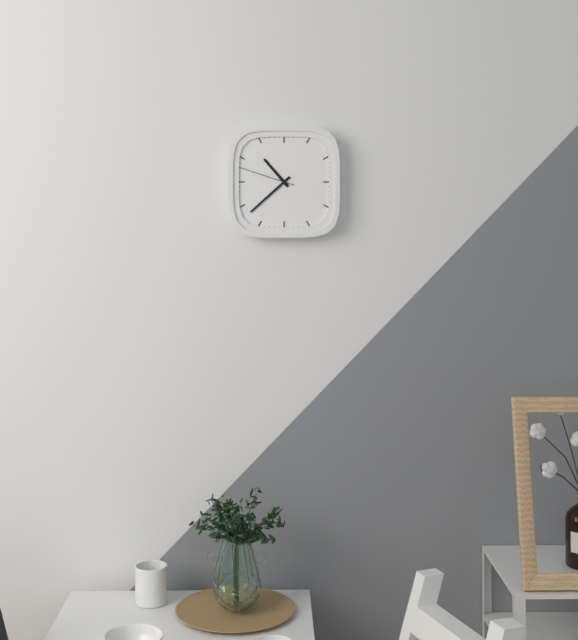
10.38.48
